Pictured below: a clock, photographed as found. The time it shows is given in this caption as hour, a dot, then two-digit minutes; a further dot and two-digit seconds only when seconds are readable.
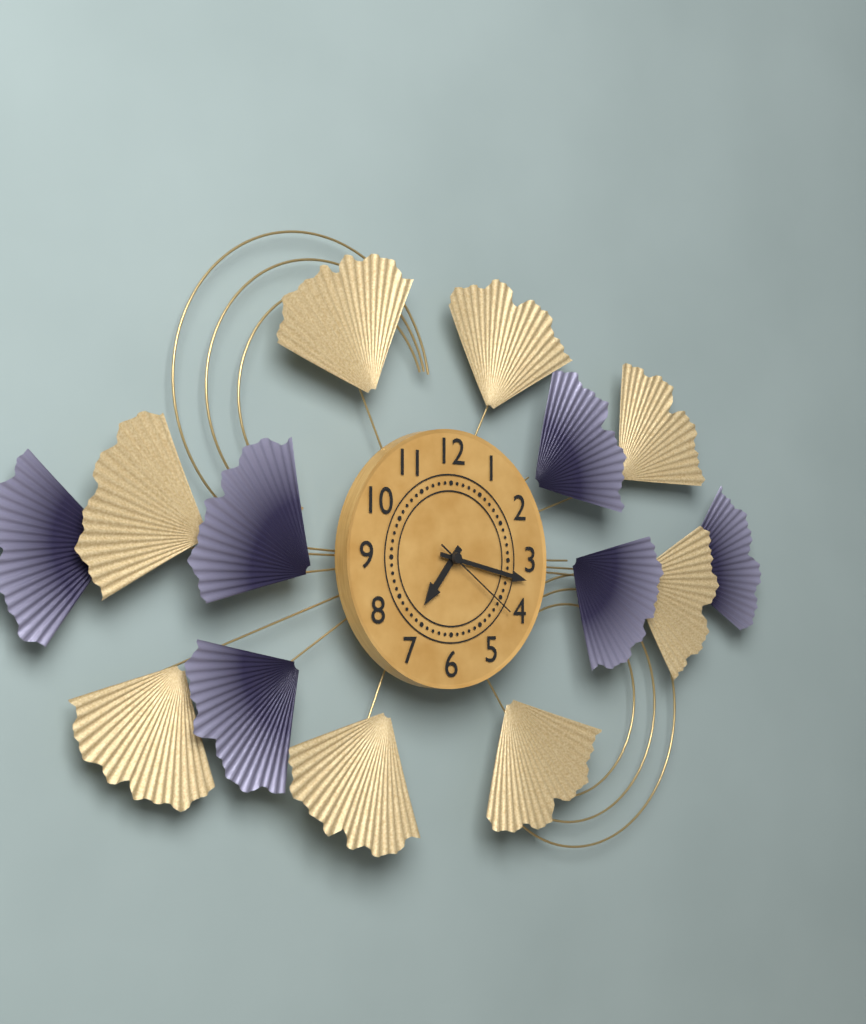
7.17.21
